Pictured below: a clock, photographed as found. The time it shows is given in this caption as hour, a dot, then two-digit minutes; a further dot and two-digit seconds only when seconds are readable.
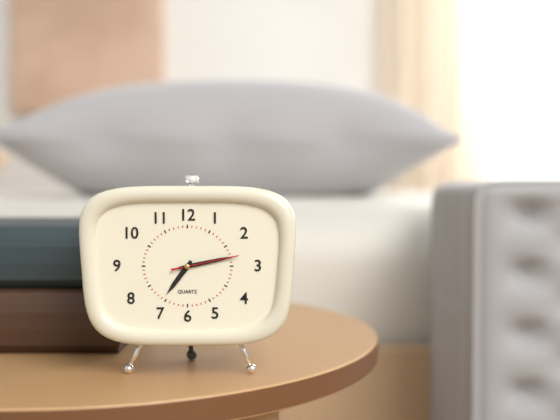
7.13.13
